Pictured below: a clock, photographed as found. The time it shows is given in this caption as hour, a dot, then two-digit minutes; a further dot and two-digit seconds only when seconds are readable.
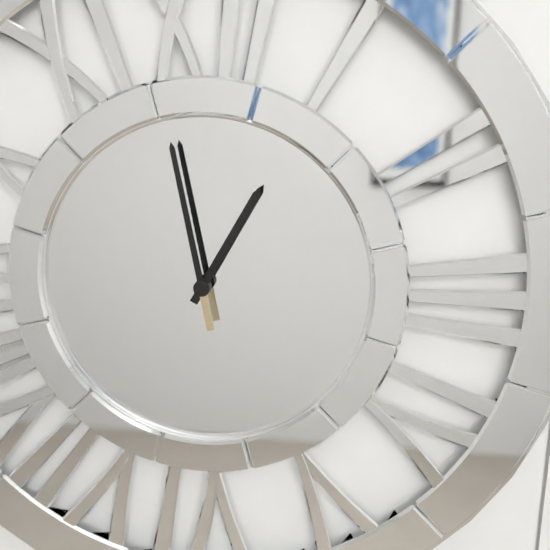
12.58
